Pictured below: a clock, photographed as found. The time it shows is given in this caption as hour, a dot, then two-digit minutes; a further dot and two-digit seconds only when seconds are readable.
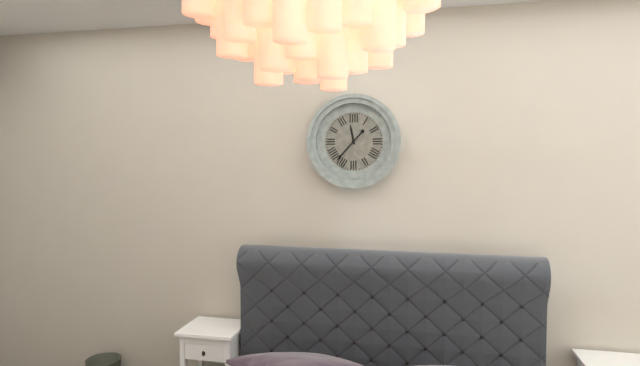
11.37
